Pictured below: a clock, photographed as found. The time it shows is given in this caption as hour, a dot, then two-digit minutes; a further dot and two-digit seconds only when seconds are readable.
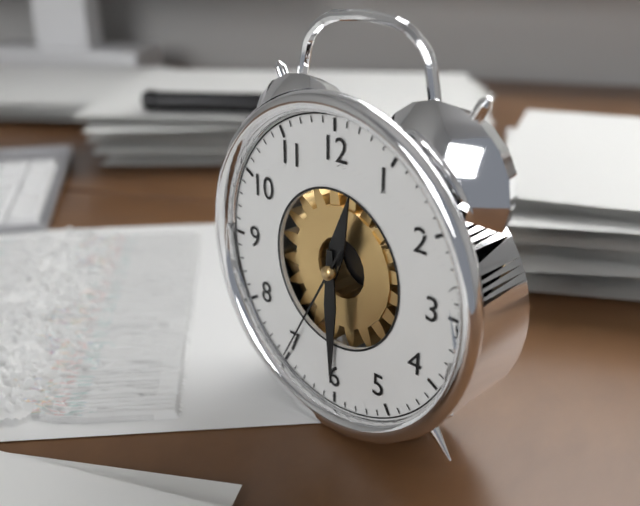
12.30.35
